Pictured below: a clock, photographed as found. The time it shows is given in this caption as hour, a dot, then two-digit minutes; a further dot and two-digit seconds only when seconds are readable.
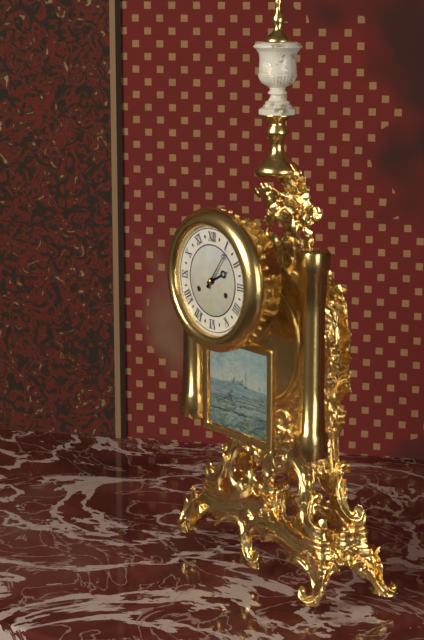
2.06
